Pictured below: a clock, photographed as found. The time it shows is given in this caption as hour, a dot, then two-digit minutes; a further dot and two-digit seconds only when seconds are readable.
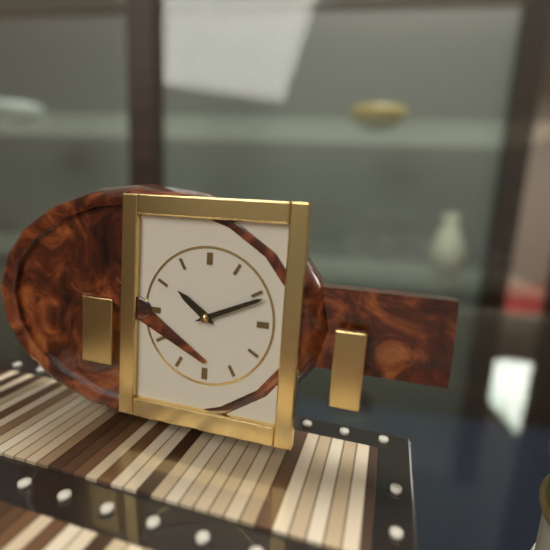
10.11
